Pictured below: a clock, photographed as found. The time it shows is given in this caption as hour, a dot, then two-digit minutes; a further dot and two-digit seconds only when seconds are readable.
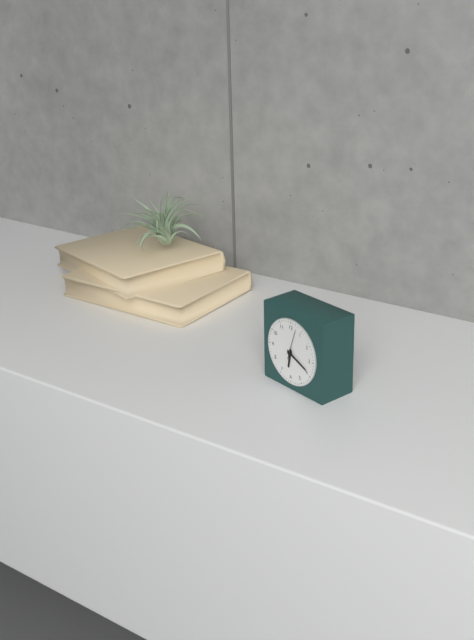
6.19
